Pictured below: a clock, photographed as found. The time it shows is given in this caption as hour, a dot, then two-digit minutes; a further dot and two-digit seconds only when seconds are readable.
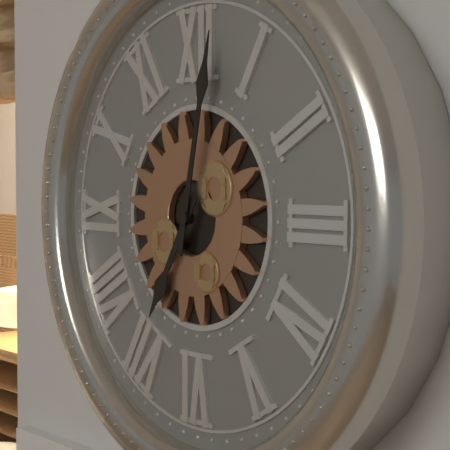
7.02
